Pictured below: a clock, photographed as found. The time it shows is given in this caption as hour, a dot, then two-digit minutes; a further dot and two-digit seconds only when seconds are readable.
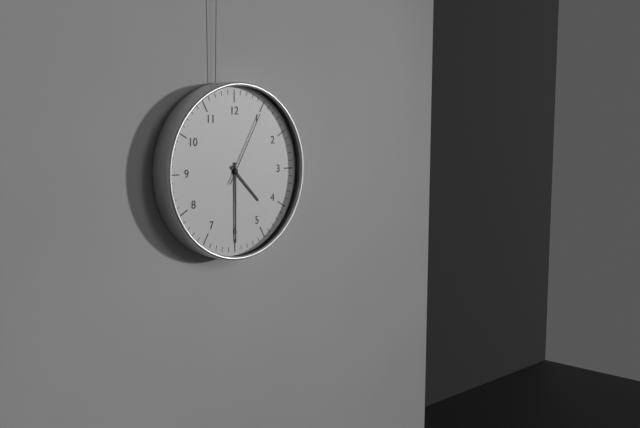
4.30.05
